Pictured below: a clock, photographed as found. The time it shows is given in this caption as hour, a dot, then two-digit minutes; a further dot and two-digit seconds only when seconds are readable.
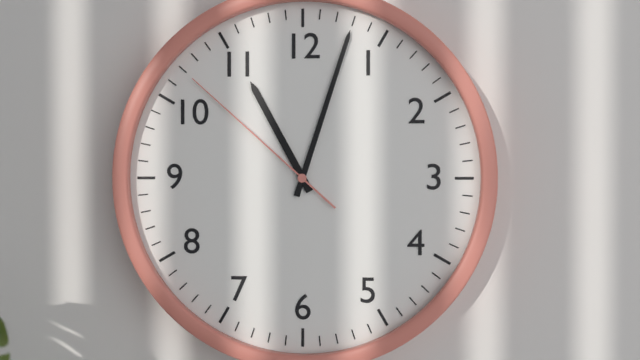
11.03.52
